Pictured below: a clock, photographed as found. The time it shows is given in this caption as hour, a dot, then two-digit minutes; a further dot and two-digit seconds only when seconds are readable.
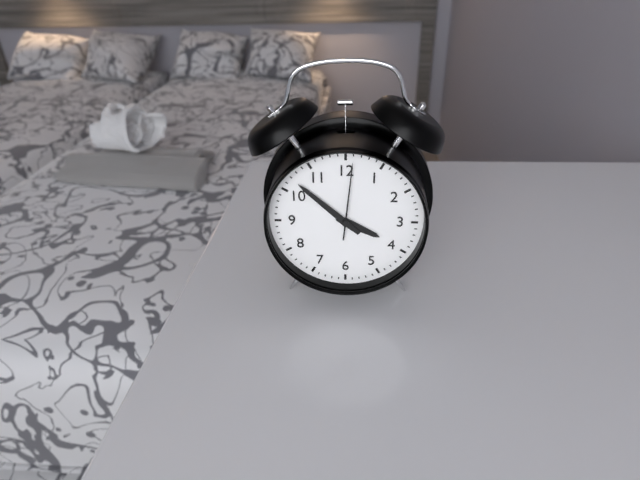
3.52.01
